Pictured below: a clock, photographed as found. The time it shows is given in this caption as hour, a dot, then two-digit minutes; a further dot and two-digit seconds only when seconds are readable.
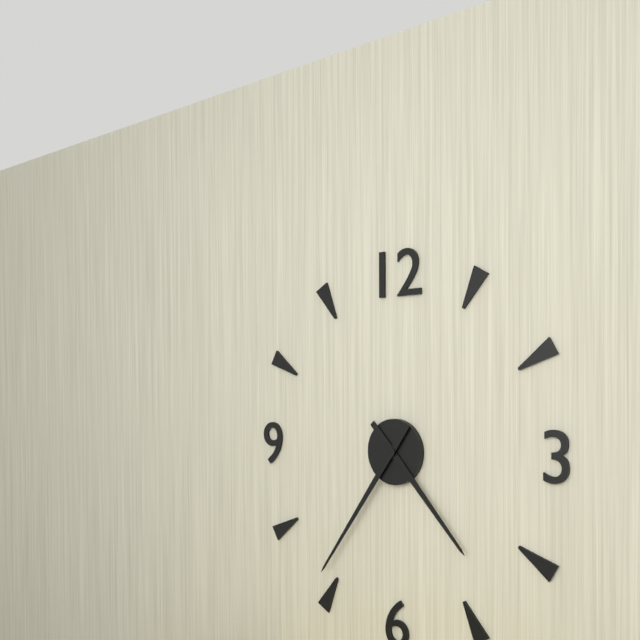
4.36
